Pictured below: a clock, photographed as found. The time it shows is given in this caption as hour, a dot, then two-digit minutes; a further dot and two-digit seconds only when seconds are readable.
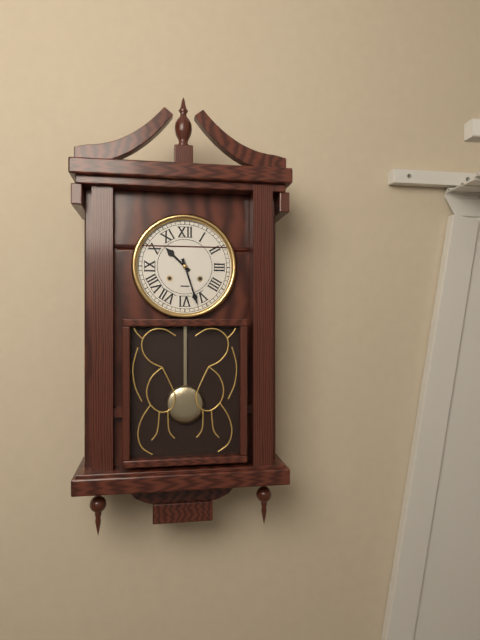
10.27
